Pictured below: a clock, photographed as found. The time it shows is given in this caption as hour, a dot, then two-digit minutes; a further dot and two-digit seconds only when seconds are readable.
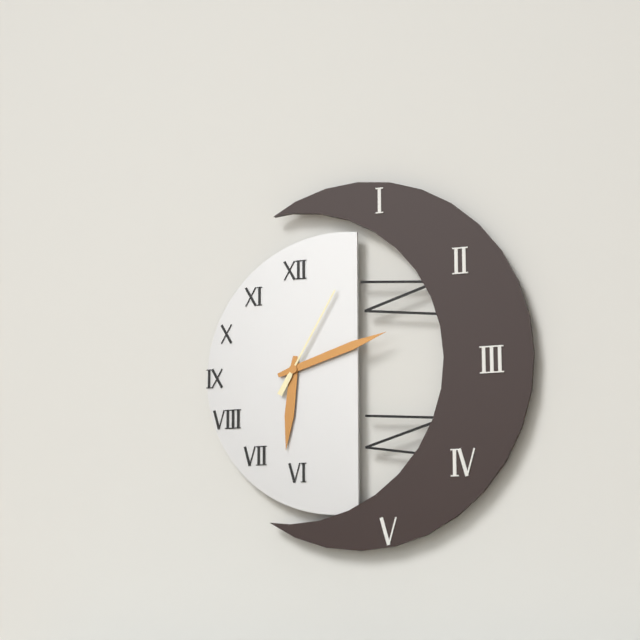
6.12.05
